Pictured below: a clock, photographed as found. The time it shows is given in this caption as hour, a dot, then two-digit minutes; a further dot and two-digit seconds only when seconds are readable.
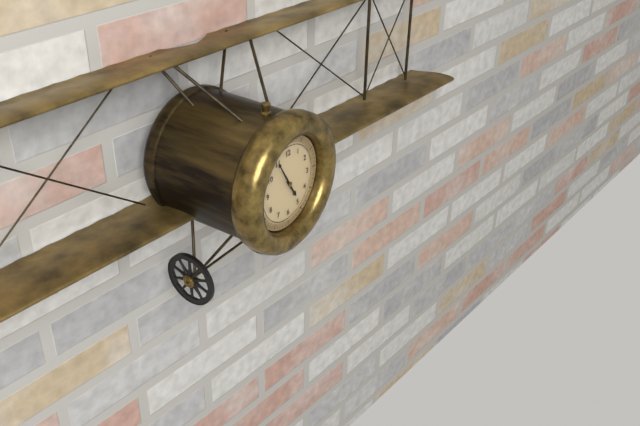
4.55
